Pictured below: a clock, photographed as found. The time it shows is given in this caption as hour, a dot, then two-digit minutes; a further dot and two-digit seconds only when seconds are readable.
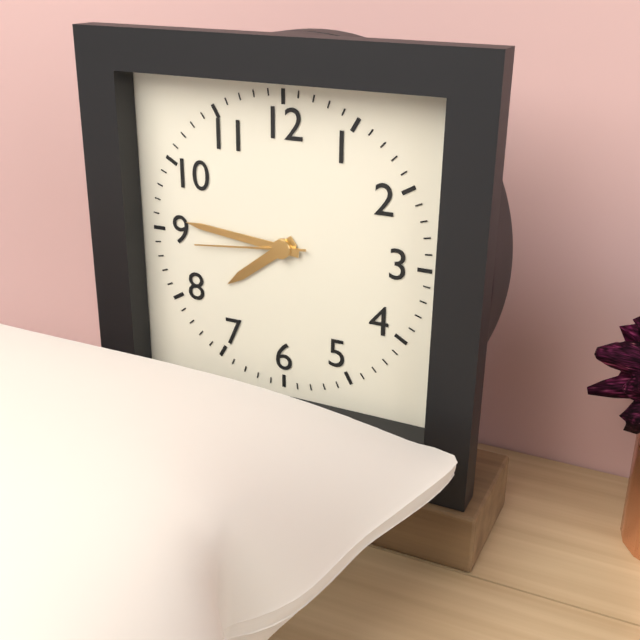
7.46.44
